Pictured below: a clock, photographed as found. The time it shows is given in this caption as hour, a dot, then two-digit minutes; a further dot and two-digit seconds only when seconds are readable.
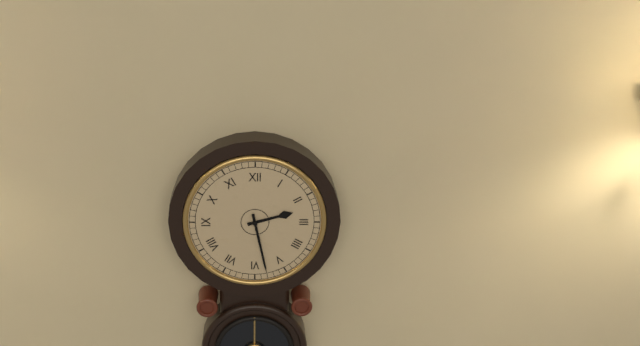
2.28
